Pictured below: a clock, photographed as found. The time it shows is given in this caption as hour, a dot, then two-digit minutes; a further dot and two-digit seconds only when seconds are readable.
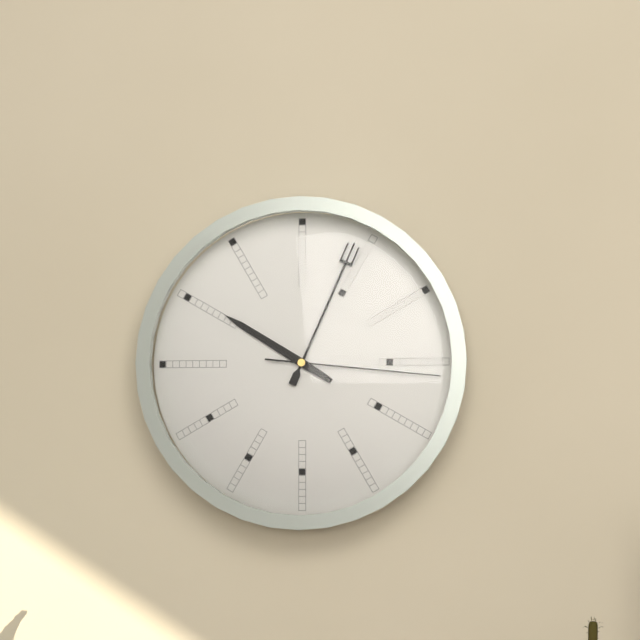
10.04.16
